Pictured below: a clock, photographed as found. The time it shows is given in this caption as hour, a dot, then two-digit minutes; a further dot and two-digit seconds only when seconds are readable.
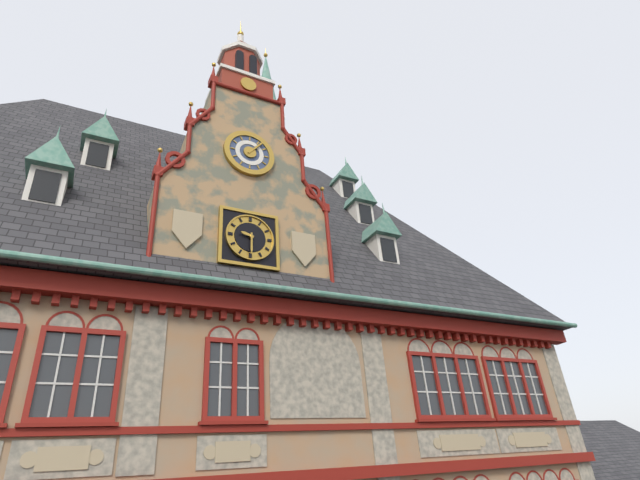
9.30
